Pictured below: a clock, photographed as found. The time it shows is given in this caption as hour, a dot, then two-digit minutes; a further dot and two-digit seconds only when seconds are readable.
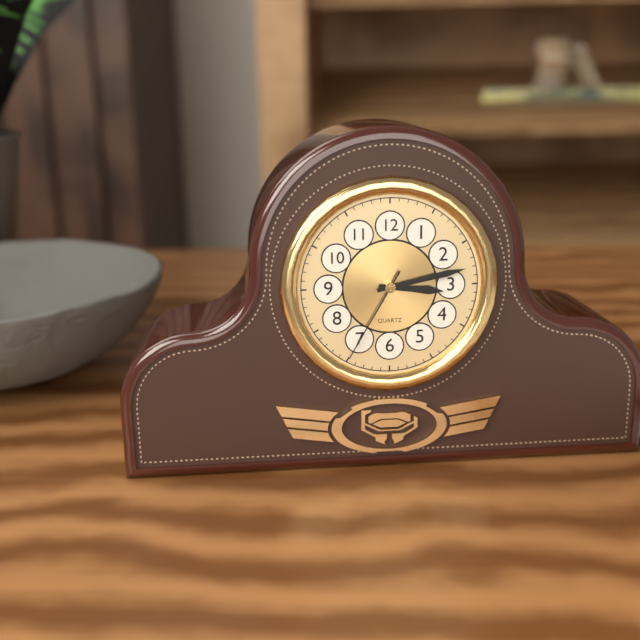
3.13.35
